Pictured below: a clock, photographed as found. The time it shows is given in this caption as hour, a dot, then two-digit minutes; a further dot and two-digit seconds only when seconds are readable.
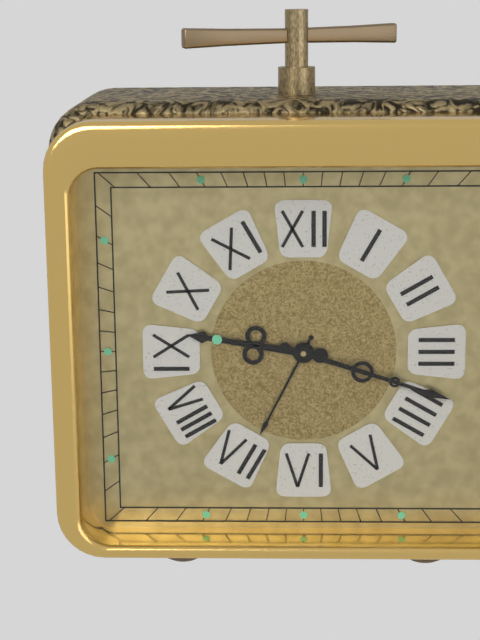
9.18
